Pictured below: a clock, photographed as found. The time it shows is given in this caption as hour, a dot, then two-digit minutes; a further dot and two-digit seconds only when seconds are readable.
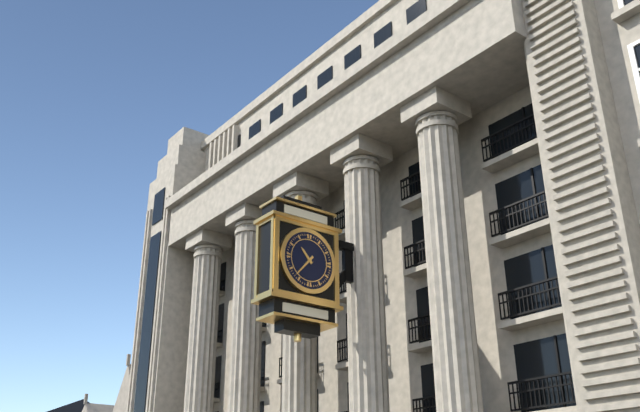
10.37
